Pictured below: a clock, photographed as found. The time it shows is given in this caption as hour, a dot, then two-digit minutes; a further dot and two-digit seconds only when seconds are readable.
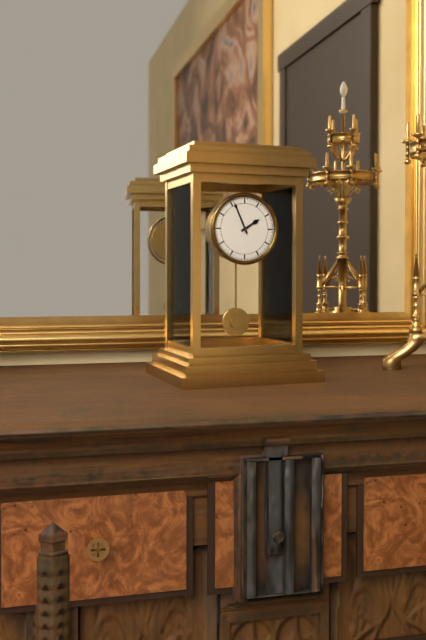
1.56
